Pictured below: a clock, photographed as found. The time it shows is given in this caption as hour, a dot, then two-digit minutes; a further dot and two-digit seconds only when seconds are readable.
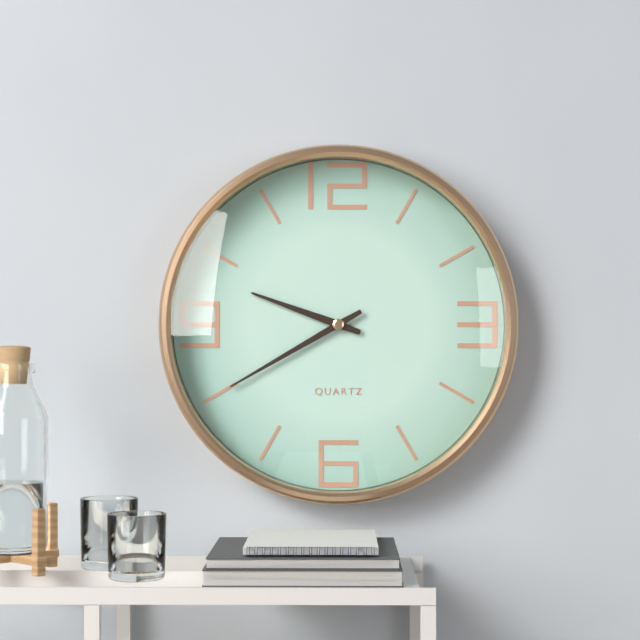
9.40
